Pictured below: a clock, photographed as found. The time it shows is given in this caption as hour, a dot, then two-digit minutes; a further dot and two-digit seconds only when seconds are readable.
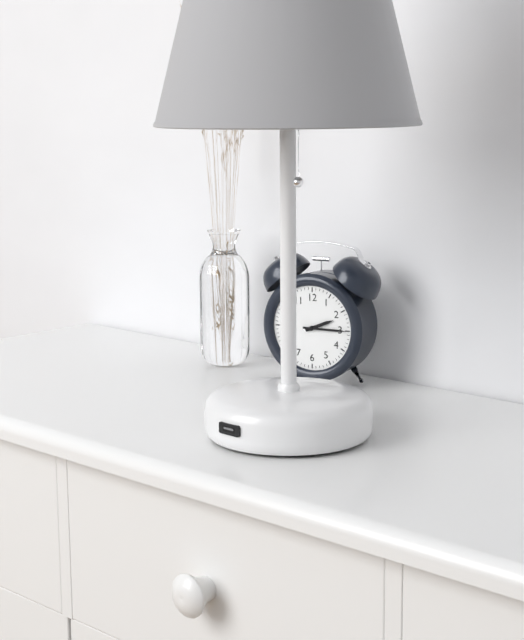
2.15
